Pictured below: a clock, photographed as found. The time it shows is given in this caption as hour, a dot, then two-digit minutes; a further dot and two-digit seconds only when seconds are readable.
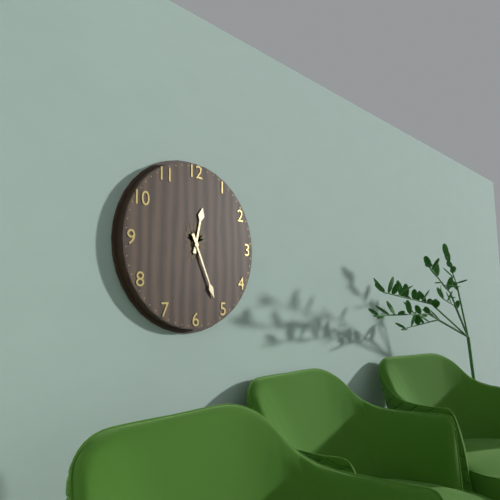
12.26
